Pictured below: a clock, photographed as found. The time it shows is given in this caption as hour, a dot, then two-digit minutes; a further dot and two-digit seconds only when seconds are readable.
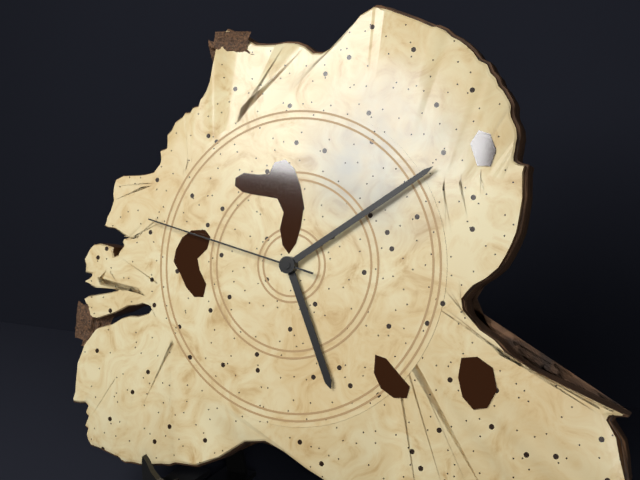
5.09.47
